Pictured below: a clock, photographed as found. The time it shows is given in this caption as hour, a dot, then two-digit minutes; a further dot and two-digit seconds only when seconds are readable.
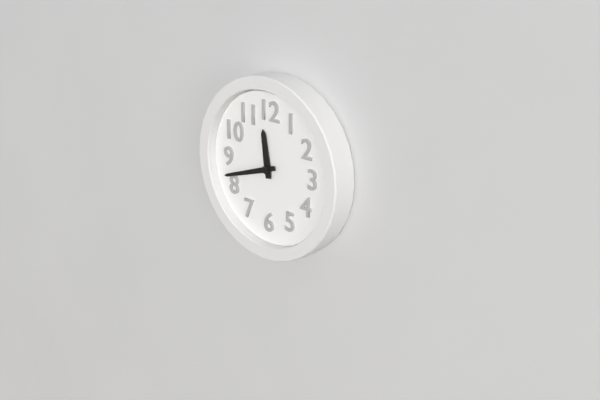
11.42
